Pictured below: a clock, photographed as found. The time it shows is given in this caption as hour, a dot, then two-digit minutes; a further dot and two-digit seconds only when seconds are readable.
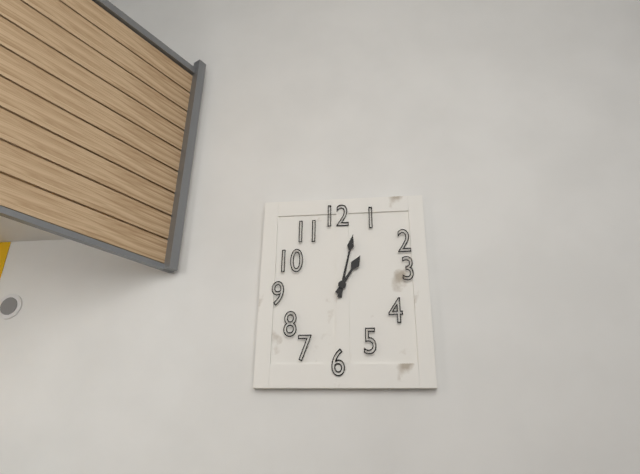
1.02
